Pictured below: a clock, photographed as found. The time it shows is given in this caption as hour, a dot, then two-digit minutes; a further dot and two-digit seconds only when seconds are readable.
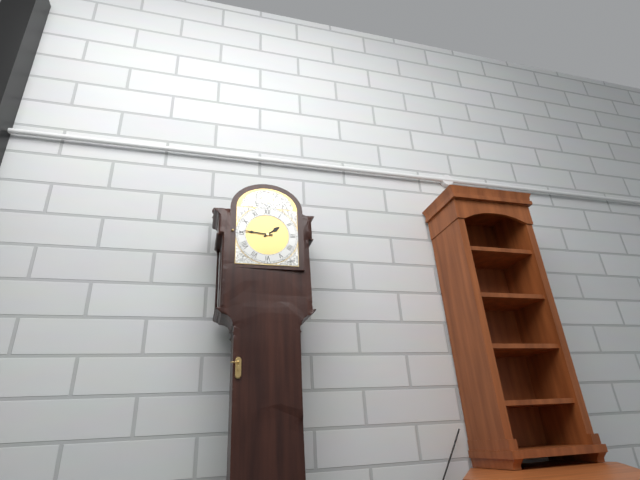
1.46
